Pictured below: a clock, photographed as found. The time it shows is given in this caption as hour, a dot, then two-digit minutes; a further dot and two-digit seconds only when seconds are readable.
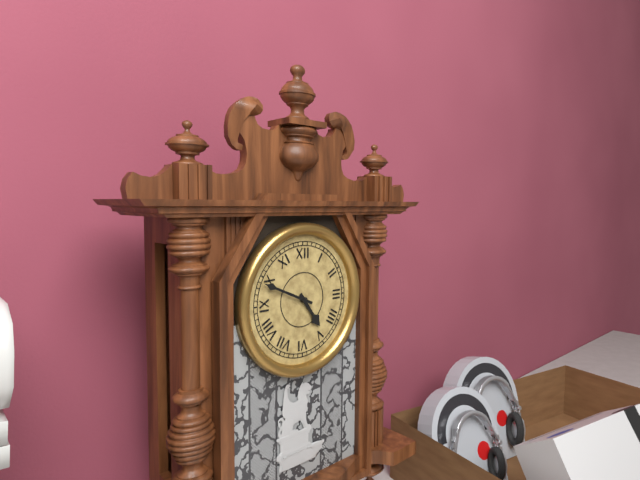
4.49
